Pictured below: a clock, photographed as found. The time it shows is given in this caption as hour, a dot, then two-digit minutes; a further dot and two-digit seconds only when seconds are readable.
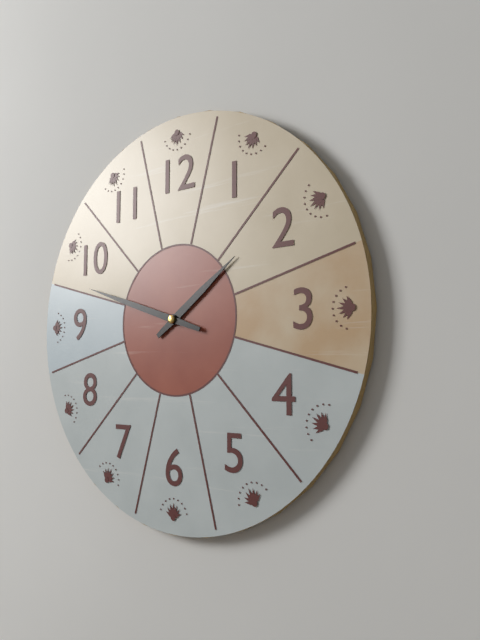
1.48
